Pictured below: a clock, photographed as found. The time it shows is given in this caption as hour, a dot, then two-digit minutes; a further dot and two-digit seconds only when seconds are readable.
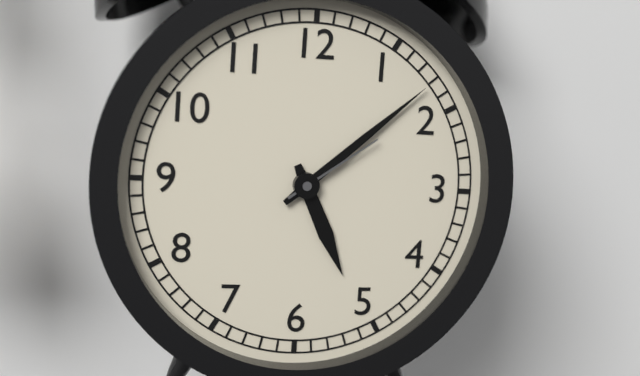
5.08.09
